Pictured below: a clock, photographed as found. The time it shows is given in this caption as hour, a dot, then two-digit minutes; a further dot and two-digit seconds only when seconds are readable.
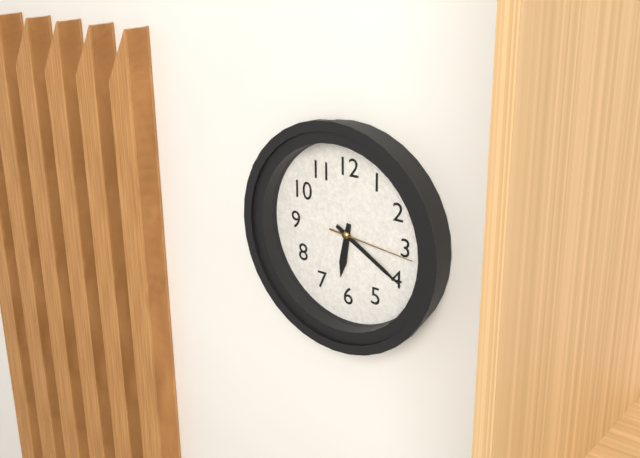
6.20.16
